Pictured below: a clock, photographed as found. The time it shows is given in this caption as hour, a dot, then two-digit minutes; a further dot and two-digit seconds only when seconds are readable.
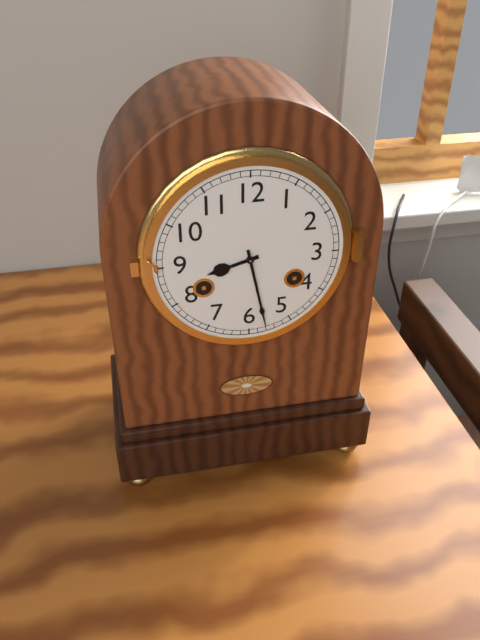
8.28
